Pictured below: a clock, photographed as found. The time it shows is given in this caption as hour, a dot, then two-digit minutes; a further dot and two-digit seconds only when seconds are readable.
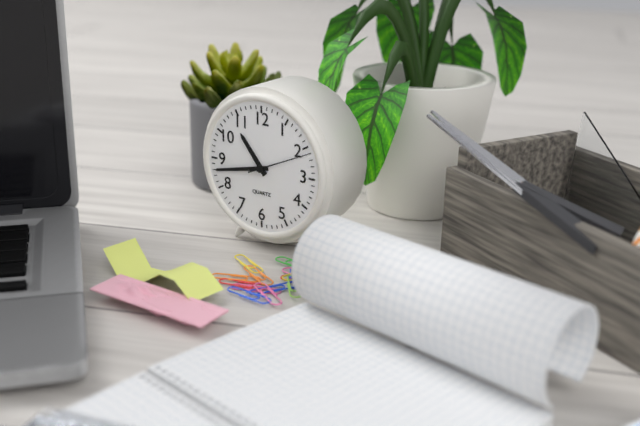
10.43.11
